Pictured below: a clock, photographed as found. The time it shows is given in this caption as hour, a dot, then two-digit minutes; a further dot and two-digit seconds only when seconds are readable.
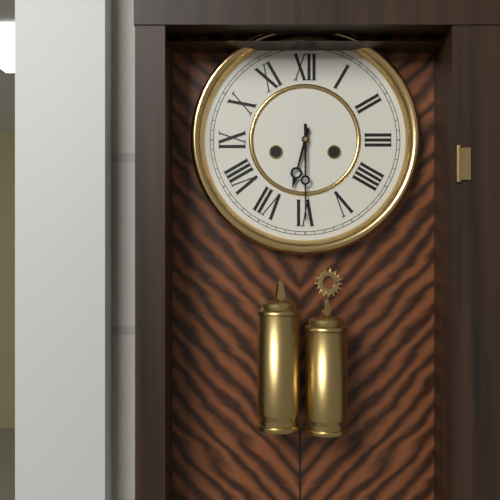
6.30
